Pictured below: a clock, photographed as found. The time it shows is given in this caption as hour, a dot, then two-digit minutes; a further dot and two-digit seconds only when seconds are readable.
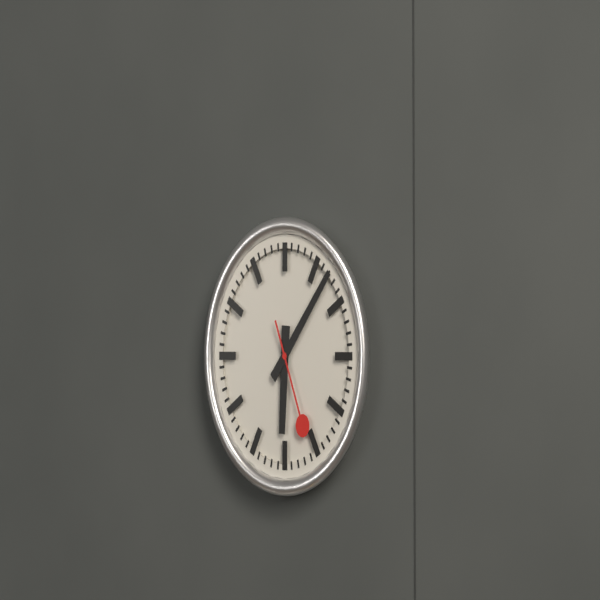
6.07.26
